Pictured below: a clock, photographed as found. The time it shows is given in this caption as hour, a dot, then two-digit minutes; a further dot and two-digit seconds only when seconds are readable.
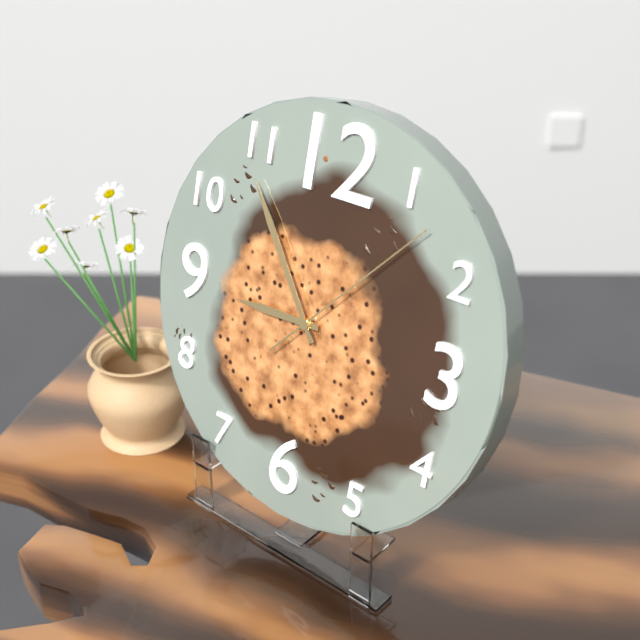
8.54.07
